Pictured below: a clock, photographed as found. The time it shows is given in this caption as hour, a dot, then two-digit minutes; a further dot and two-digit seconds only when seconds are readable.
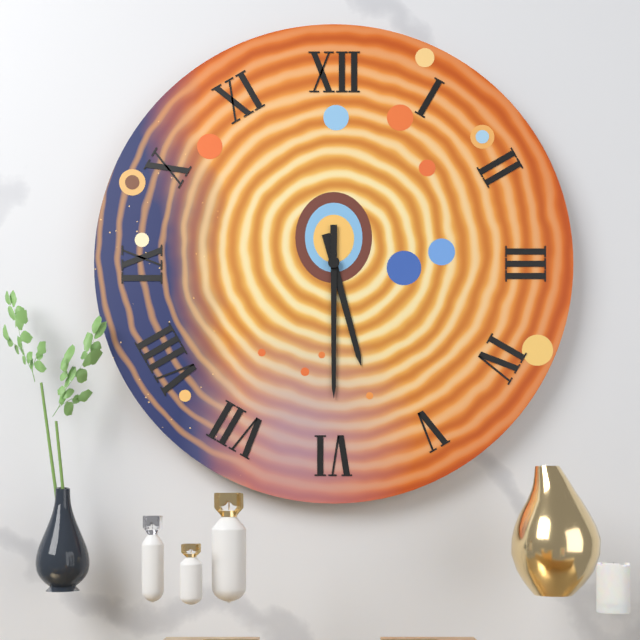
5.30
